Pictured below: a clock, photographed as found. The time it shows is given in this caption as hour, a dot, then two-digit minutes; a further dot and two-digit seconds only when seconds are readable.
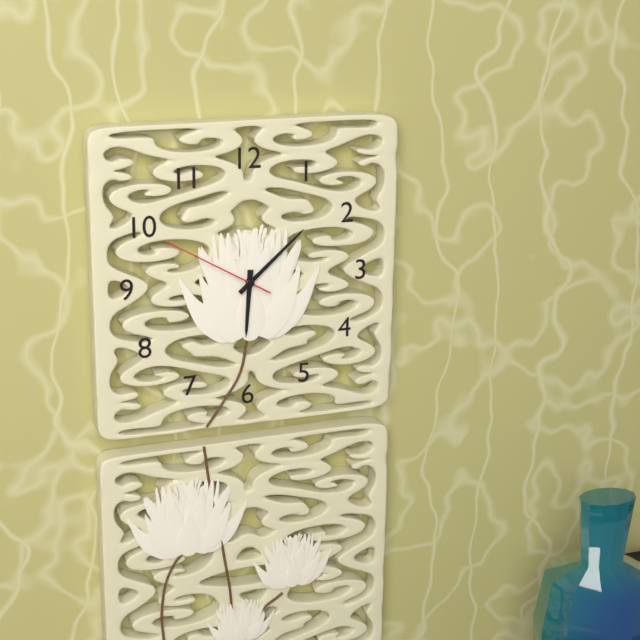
6.08.50
